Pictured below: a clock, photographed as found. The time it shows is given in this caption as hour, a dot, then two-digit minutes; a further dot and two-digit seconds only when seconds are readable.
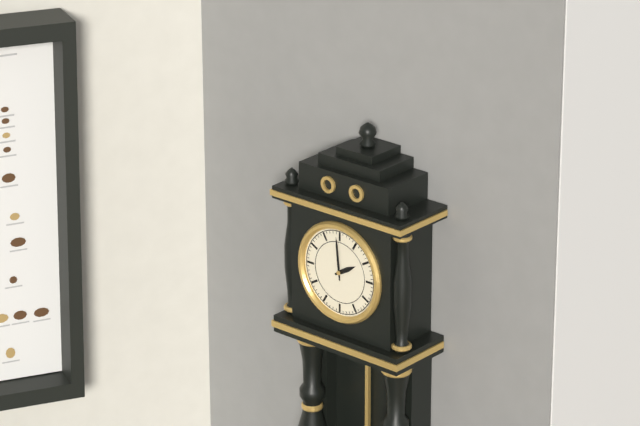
1.59
